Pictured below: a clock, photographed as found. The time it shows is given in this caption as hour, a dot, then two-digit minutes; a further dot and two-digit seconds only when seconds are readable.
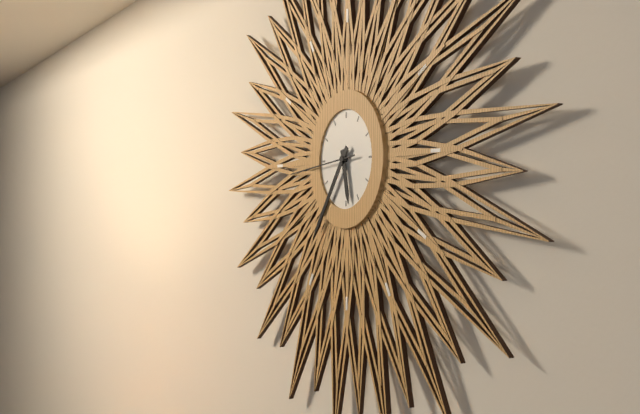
5.36.44
